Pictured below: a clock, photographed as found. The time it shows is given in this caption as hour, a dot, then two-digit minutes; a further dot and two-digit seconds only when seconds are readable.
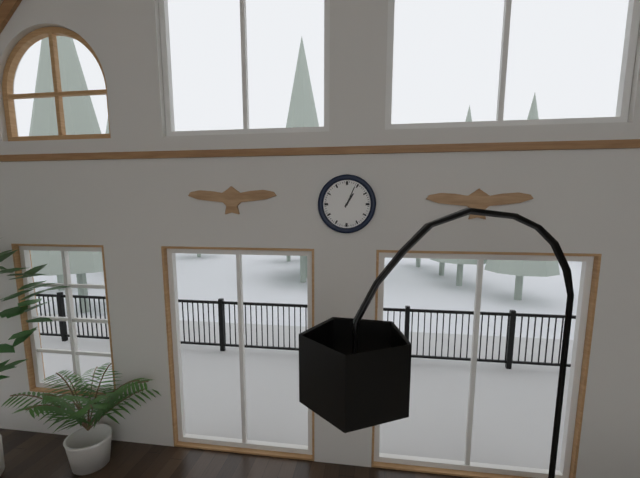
1.04
